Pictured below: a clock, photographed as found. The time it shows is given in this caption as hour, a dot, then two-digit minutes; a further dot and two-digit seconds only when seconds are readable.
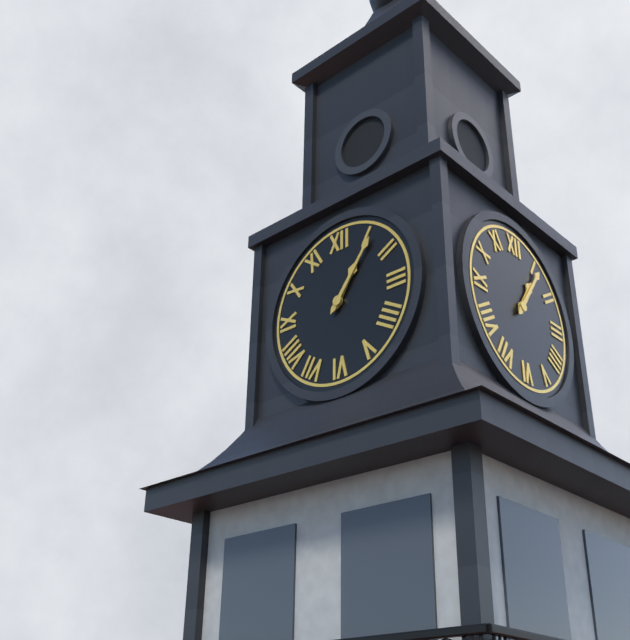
1.06
